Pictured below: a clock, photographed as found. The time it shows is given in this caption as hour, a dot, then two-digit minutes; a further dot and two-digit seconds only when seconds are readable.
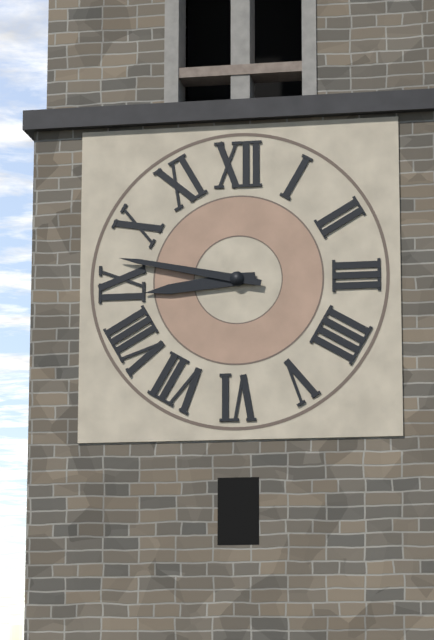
8.47
